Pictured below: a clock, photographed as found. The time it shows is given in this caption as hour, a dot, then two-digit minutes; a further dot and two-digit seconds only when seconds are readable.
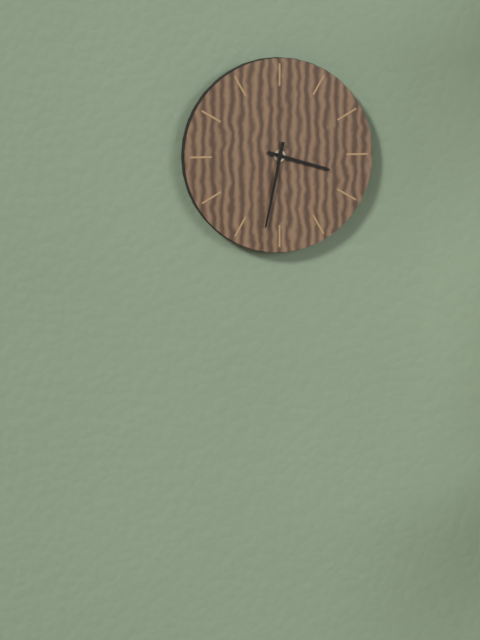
3.32
